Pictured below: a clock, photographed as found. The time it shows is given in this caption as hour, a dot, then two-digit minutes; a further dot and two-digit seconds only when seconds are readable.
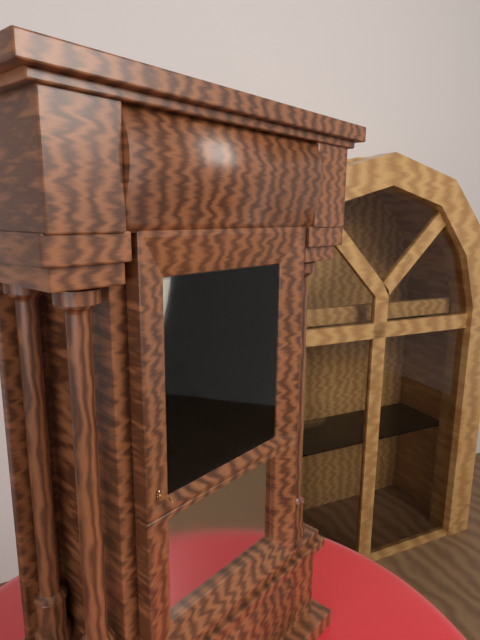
6.13
